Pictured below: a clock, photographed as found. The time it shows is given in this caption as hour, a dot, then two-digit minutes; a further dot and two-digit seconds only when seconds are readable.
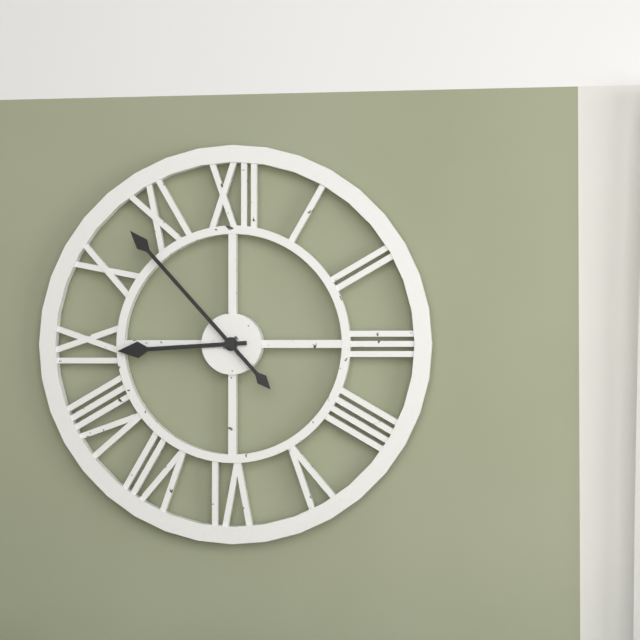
8.53
